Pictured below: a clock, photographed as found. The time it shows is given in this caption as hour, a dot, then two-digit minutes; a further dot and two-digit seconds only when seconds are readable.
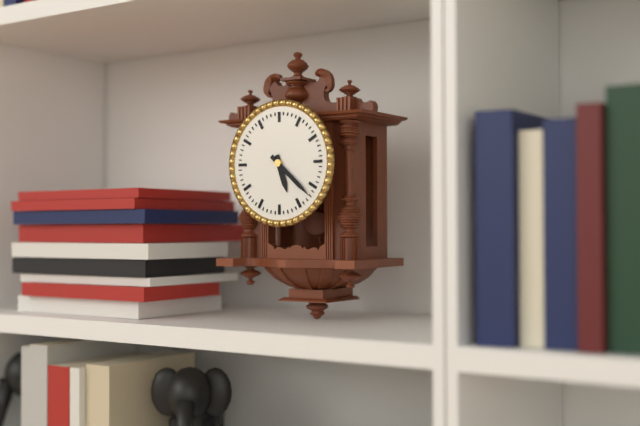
5.22
